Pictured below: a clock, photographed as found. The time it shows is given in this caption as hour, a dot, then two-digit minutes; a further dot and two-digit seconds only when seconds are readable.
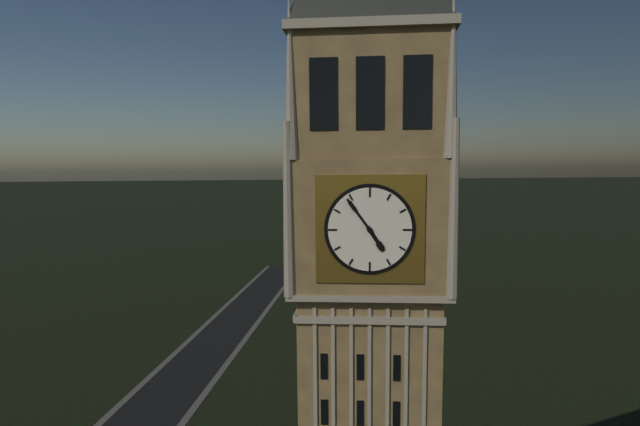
4.54
